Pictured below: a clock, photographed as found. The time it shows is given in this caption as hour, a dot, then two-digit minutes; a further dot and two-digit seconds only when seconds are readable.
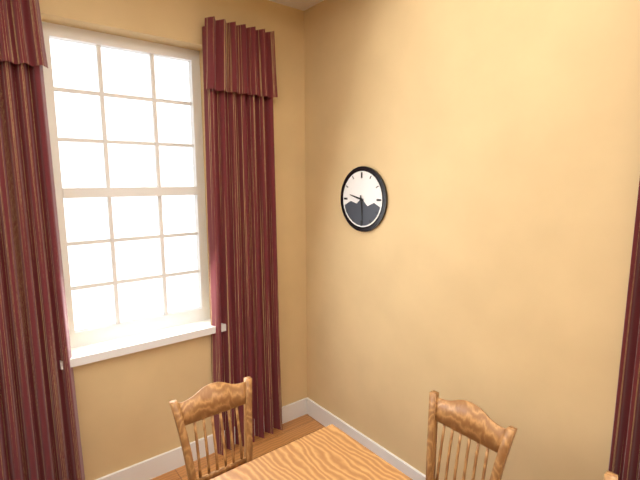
9.29
